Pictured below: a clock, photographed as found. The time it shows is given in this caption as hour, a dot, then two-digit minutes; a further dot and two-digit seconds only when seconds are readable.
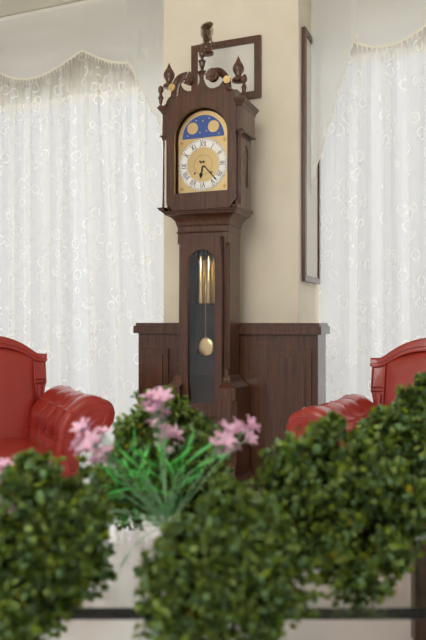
6.23
